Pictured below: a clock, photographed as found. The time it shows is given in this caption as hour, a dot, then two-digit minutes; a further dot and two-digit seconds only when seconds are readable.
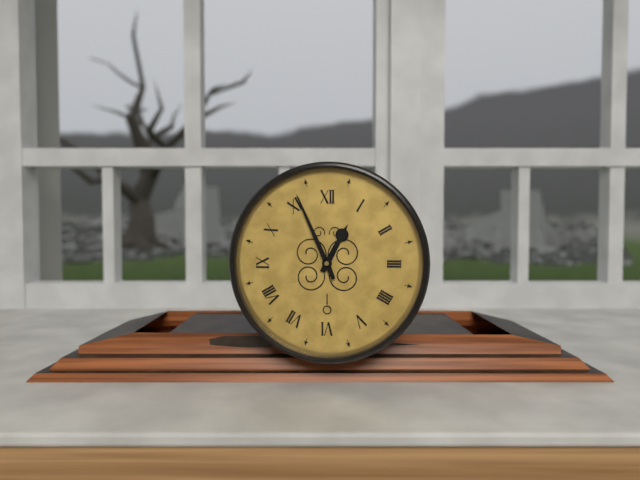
12.56
